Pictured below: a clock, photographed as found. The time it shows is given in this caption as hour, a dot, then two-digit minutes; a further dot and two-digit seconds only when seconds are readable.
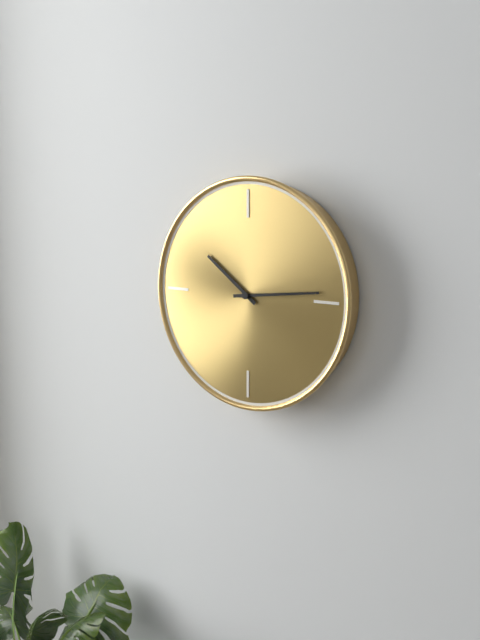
10.14
